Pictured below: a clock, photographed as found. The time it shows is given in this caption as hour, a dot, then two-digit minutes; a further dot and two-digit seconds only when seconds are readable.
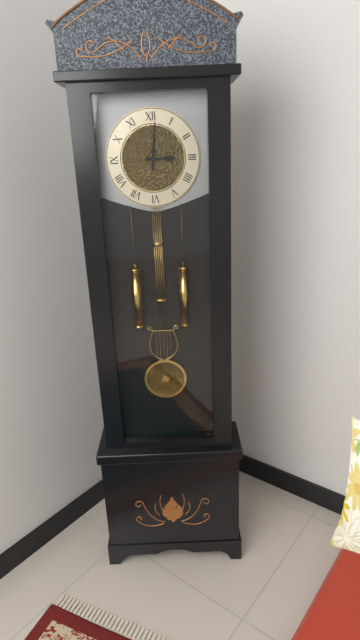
3.01
